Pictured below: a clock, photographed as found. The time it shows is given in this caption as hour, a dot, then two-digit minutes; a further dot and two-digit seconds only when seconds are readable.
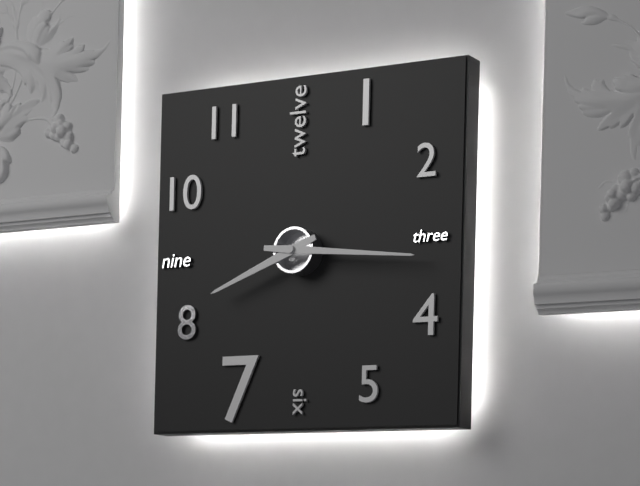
8.16
